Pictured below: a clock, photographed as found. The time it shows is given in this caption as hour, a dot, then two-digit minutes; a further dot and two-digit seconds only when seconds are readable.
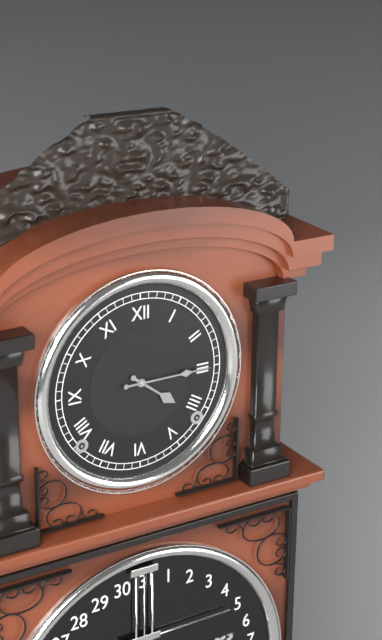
4.15
